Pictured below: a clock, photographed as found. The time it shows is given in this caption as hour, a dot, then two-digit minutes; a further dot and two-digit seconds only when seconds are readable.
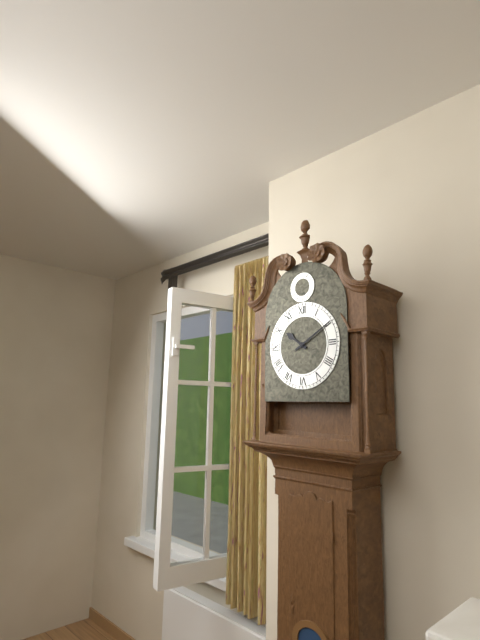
10.10
